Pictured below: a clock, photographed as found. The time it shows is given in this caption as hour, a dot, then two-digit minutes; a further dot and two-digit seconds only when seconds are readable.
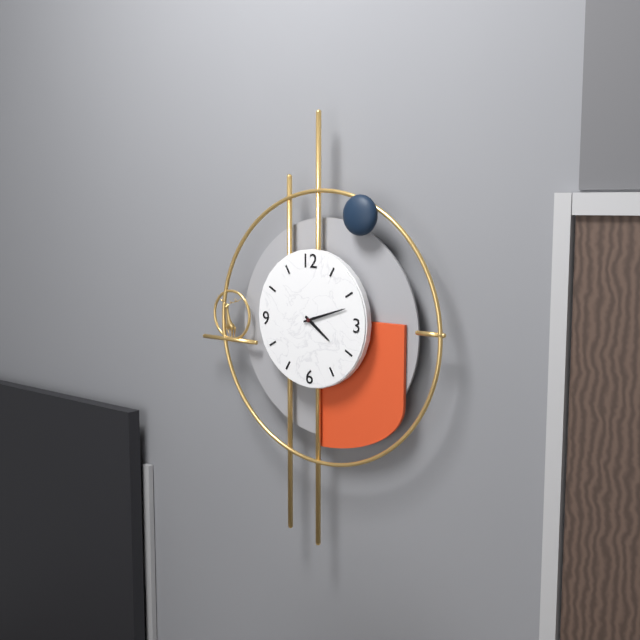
4.12
